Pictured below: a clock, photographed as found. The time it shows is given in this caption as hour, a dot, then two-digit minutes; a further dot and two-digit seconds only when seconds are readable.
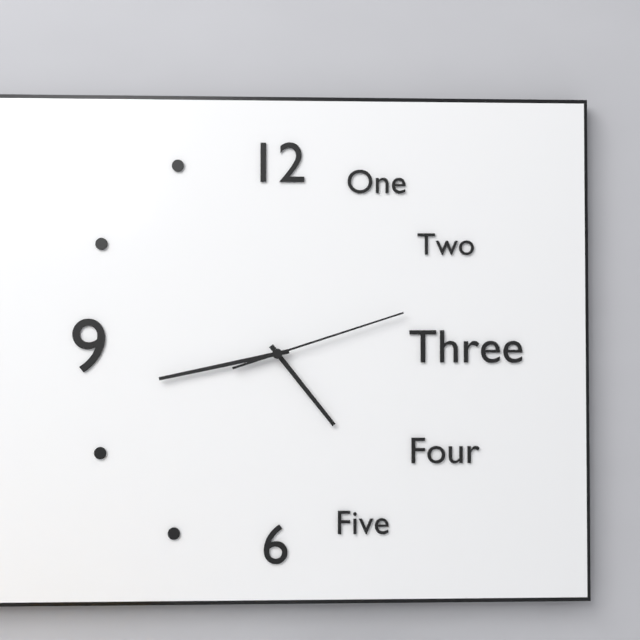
4.43.12
